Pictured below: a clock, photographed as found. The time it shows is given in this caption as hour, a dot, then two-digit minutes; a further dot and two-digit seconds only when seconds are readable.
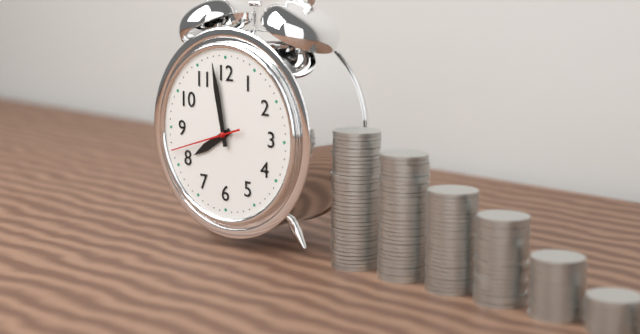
7.58.42
